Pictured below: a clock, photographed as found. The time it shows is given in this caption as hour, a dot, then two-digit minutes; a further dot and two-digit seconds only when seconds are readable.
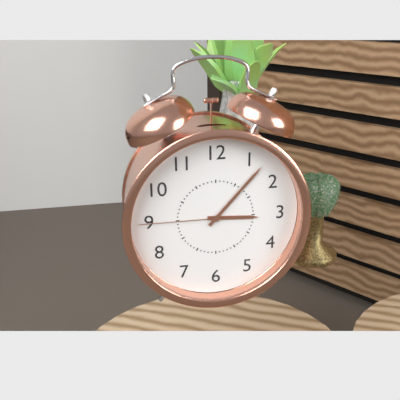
3.07.45
